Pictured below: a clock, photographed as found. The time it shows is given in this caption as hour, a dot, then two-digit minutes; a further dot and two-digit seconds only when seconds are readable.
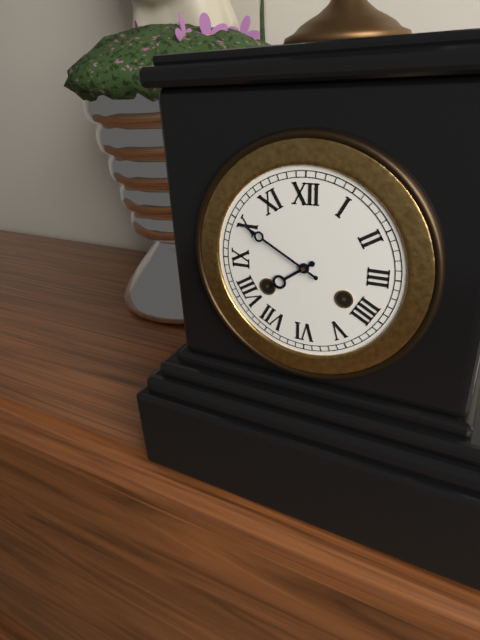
7.50
